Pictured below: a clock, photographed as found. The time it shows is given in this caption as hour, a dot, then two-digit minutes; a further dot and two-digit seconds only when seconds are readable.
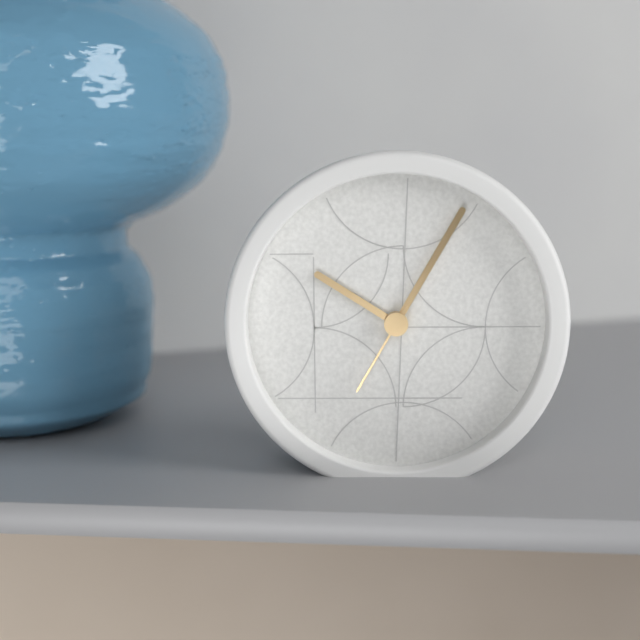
10.05.35
